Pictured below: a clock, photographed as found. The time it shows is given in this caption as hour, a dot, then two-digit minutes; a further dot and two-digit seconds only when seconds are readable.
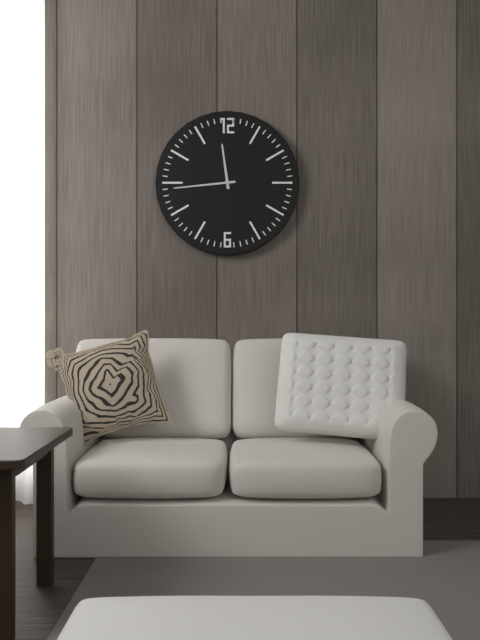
11.44
